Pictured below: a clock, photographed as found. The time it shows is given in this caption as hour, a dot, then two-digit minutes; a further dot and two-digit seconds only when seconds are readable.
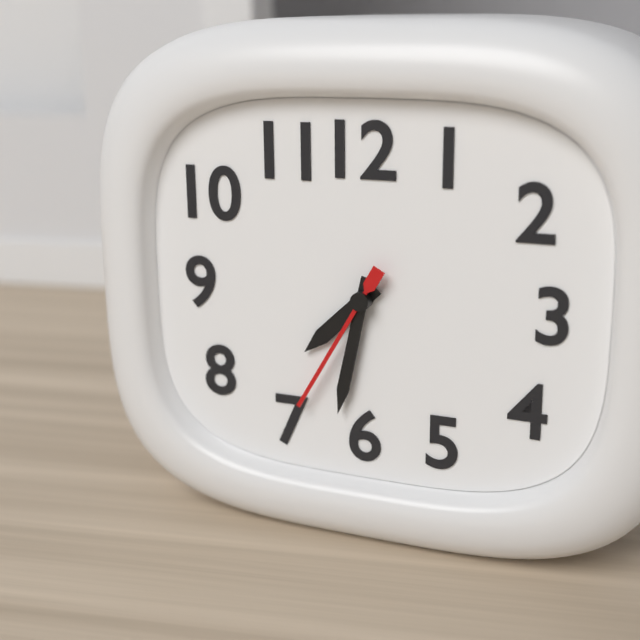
7.32.35
